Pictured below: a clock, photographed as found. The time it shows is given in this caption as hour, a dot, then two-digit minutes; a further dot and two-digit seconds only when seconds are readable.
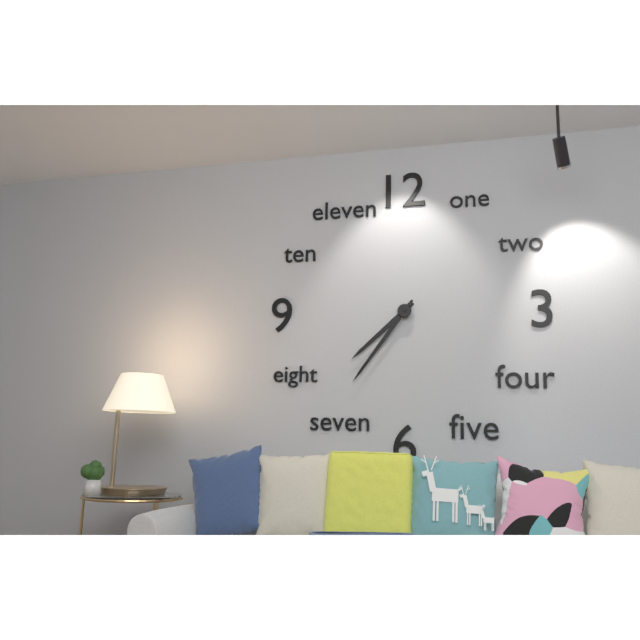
7.36
